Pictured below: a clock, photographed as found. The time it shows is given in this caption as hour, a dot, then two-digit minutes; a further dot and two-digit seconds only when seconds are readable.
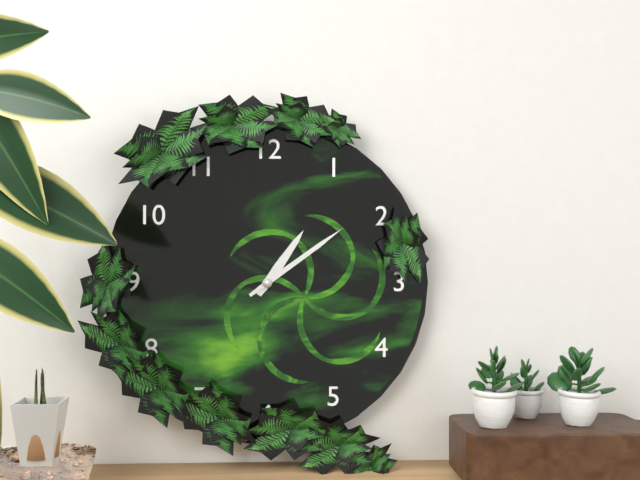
1.09
